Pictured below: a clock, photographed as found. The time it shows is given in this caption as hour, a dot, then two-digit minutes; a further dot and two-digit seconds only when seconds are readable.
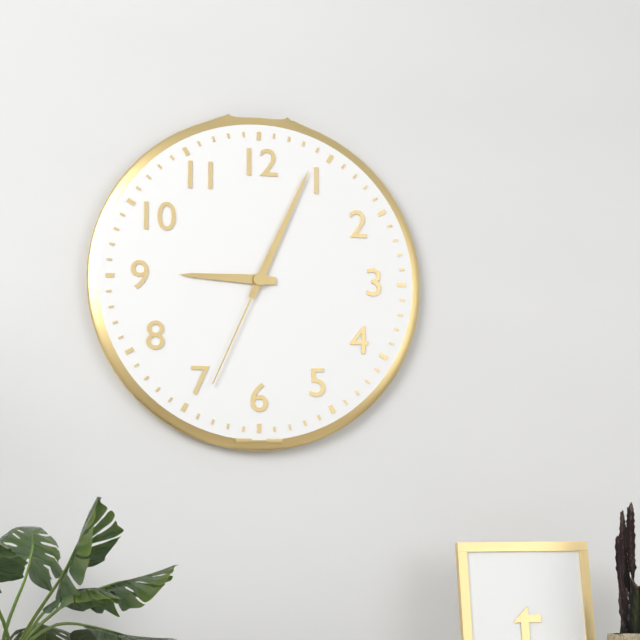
9.04.34
